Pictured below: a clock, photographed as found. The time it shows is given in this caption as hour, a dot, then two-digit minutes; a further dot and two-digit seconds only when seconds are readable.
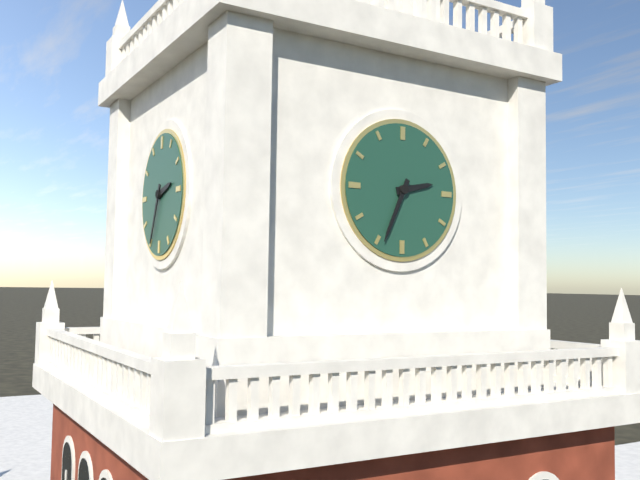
2.34
